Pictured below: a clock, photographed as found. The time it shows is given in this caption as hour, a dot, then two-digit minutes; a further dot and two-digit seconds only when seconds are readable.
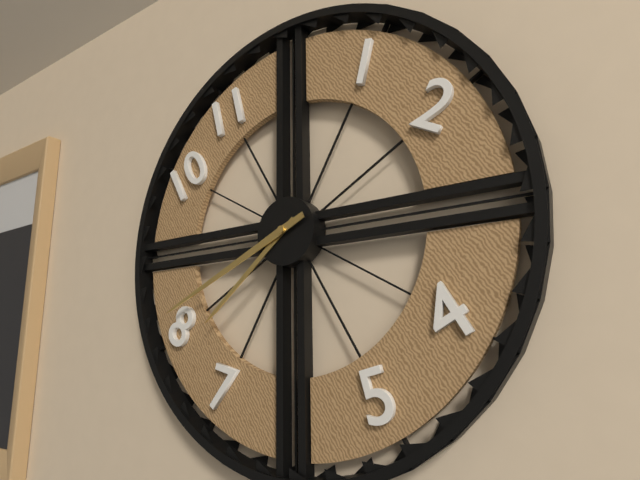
7.41
